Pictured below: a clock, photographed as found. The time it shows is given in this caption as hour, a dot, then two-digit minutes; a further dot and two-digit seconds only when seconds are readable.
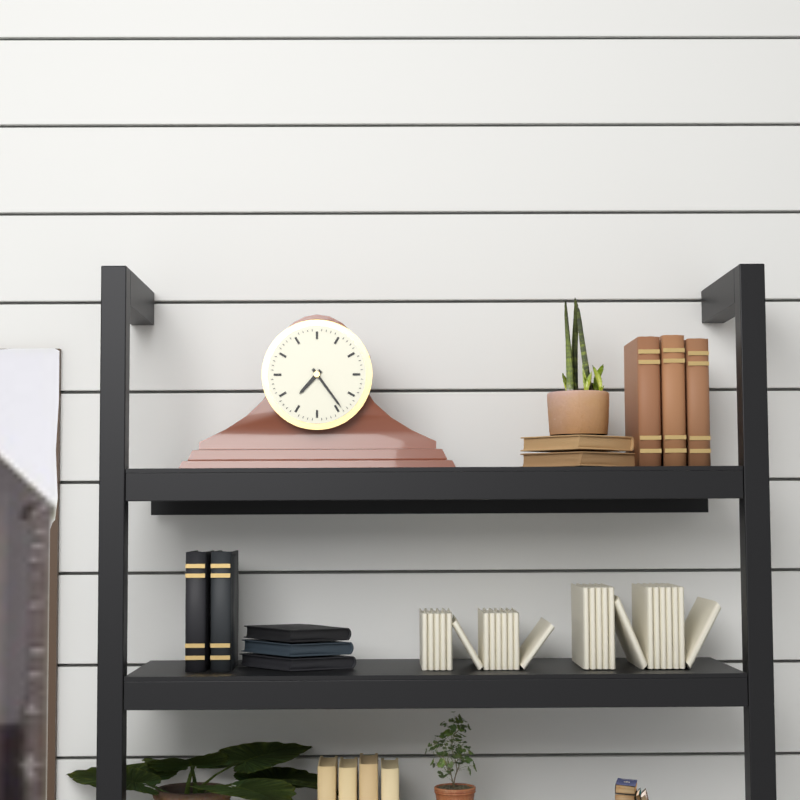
7.24
